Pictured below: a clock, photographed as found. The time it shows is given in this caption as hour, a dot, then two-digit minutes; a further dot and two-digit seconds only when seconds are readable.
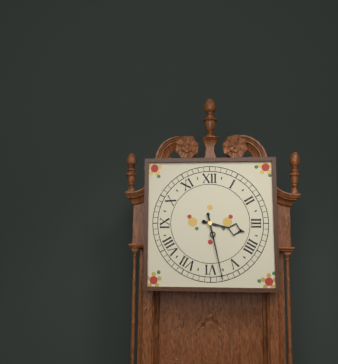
3.28
